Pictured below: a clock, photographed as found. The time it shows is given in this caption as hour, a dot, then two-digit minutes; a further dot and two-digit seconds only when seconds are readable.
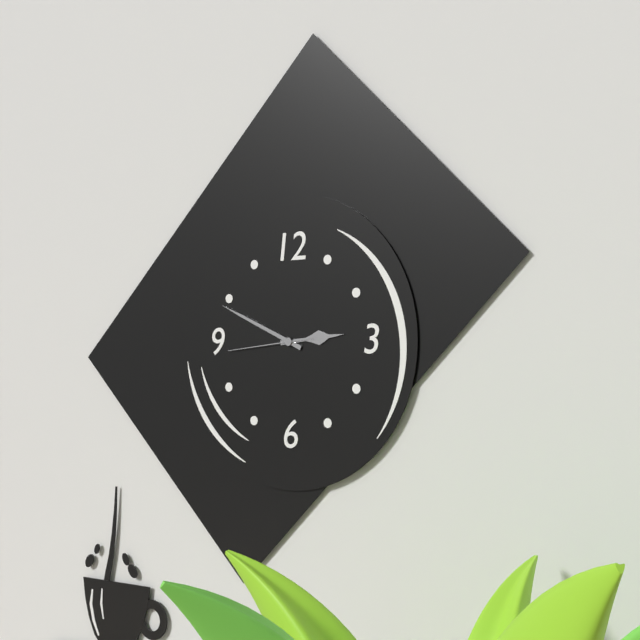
2.49.44
